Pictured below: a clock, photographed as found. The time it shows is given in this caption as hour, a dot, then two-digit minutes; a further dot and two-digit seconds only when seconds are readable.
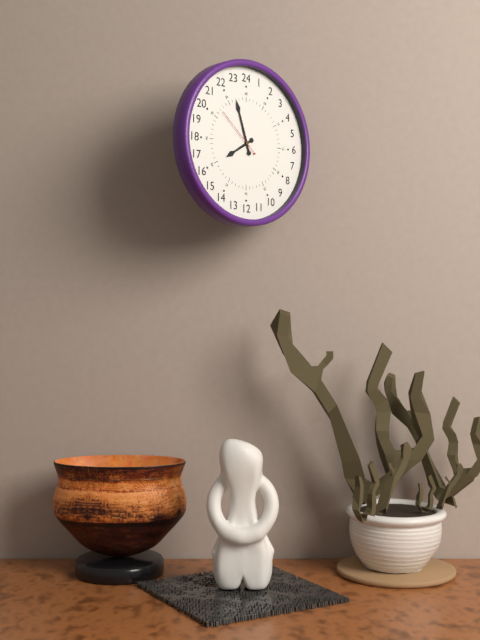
7.57
